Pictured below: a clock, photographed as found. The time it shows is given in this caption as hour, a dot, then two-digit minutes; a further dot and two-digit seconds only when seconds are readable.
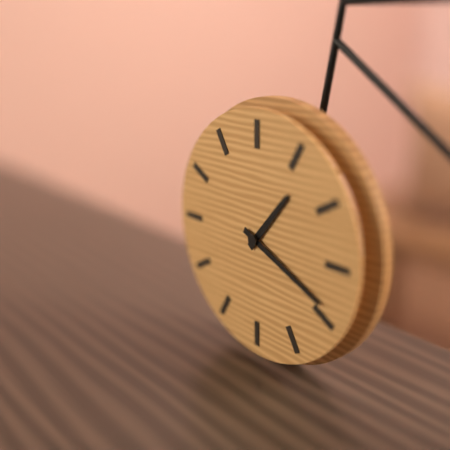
1.19
